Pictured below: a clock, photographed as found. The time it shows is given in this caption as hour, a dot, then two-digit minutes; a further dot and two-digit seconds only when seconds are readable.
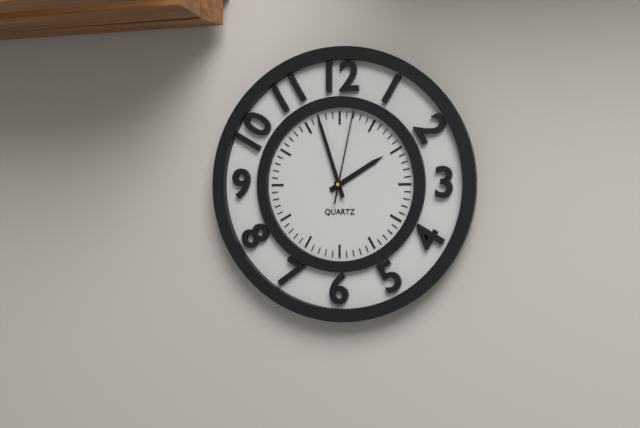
1.57.02
